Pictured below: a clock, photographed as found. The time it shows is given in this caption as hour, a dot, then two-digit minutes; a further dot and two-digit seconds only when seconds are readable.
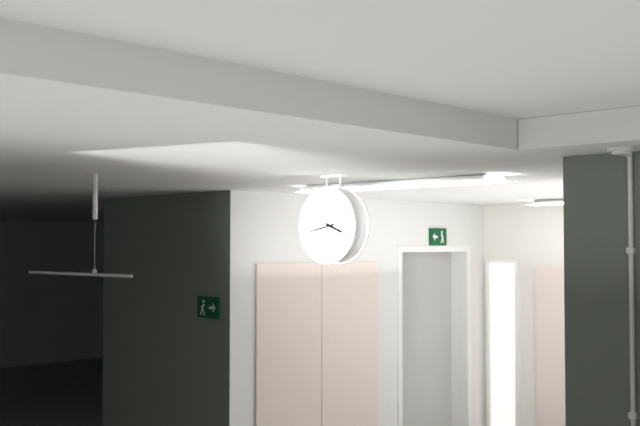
3.43
